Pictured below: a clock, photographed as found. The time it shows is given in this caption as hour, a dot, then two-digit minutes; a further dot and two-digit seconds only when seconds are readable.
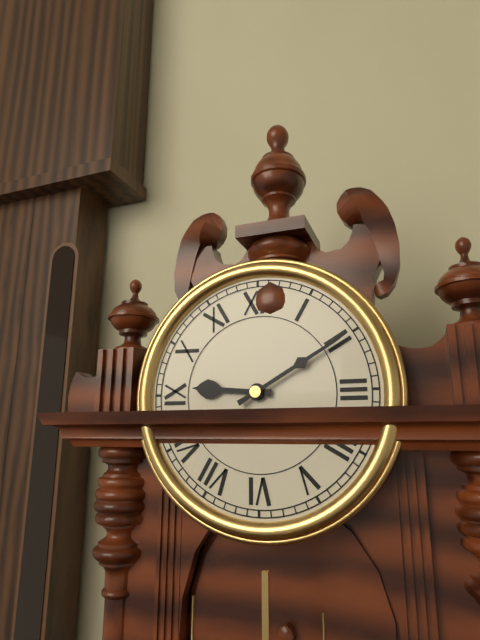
9.10
